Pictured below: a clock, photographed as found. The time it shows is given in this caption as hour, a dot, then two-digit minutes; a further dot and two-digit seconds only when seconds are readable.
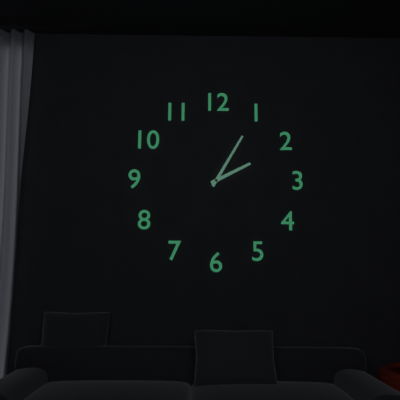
2.05
